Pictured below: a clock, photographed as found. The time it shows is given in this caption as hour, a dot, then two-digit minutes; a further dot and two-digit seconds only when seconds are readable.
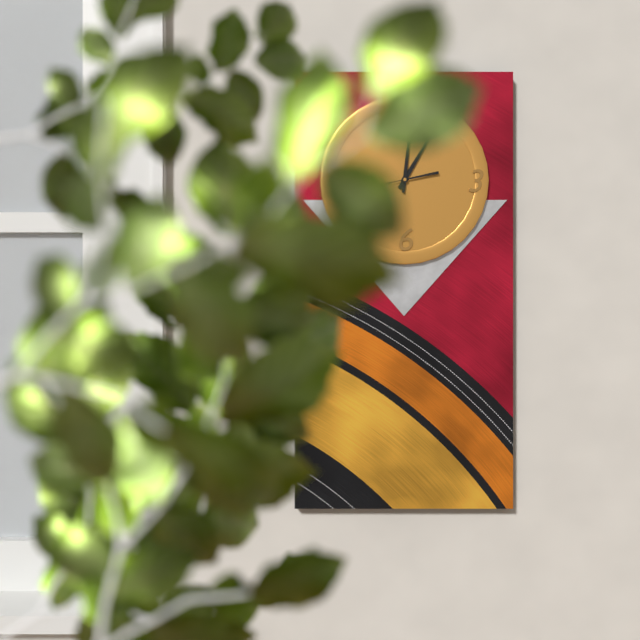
1.01.43
